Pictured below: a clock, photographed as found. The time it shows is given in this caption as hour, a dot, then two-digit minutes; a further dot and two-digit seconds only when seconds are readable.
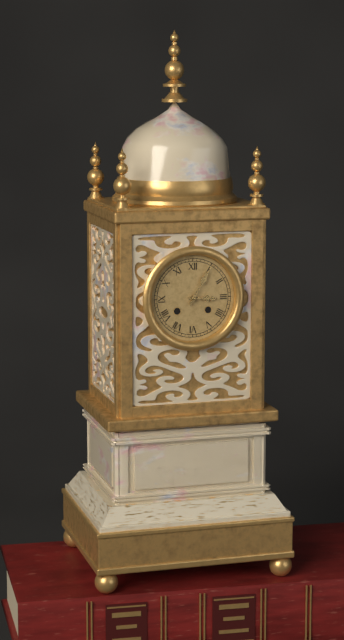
3.05
